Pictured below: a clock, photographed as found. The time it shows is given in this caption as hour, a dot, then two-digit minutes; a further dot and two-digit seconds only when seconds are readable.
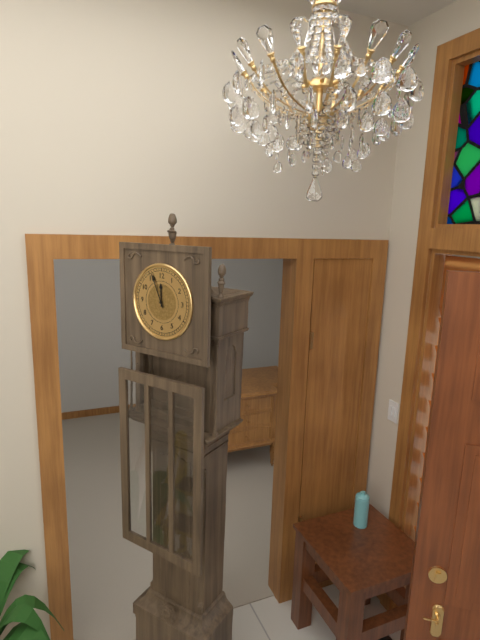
11.56
